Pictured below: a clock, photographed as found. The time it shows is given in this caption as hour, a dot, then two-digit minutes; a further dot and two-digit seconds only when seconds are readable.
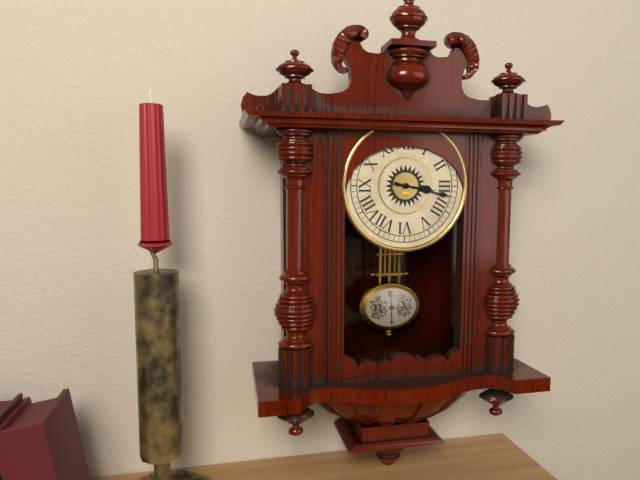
3.17
